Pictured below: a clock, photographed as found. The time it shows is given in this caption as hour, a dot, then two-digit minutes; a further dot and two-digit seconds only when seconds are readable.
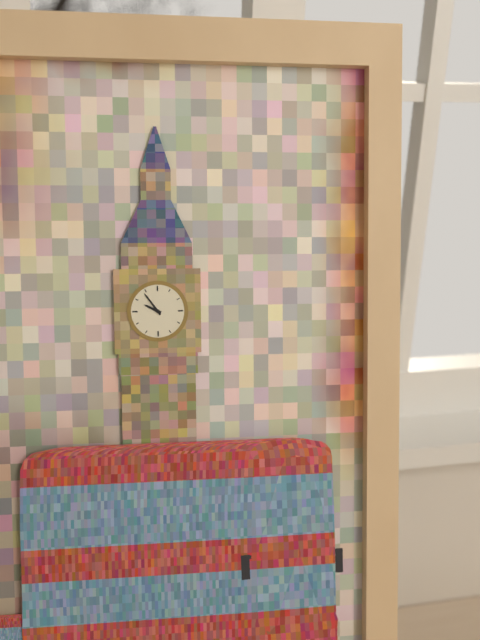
9.54
